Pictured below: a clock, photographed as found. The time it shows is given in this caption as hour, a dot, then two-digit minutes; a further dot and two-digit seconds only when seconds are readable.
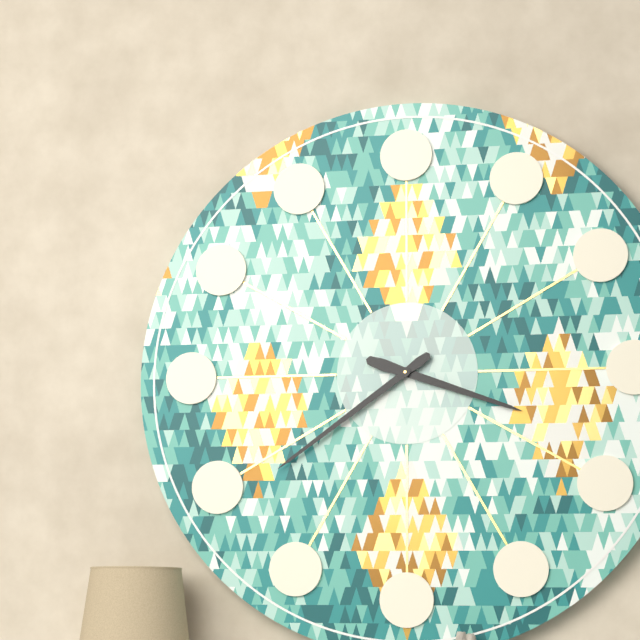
3.39
